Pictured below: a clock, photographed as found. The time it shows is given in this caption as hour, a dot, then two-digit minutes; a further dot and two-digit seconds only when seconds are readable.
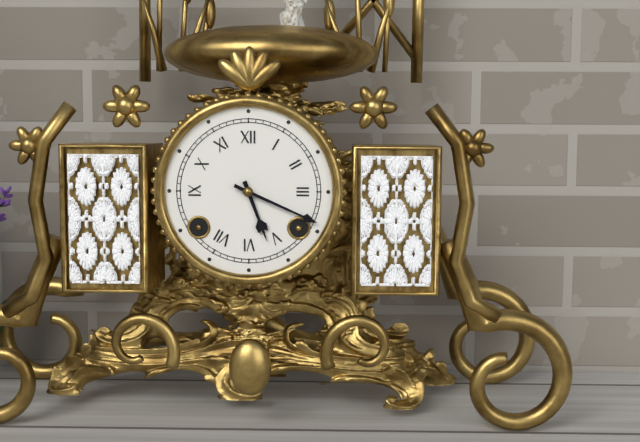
5.19
